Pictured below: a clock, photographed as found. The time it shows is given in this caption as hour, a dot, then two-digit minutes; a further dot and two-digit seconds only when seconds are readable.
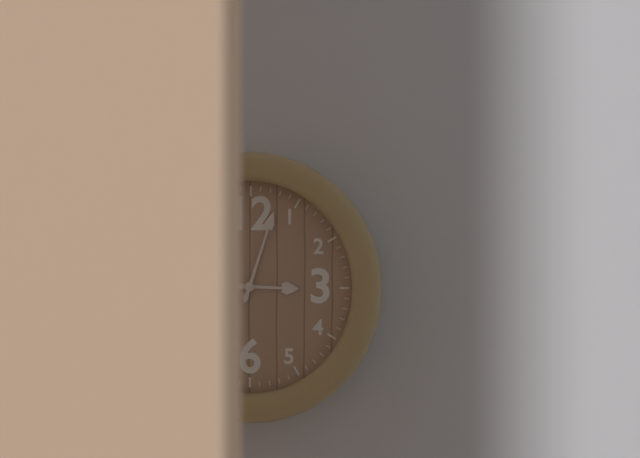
3.03
